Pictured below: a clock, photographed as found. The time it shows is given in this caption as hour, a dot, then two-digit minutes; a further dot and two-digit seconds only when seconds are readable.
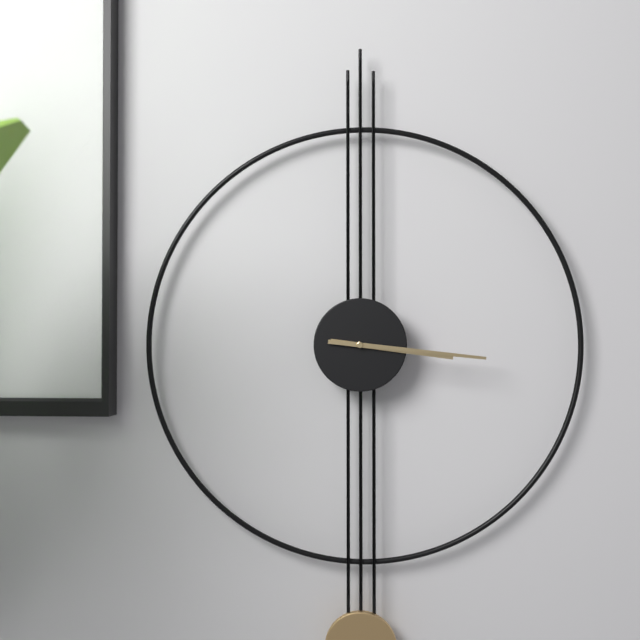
3.16
